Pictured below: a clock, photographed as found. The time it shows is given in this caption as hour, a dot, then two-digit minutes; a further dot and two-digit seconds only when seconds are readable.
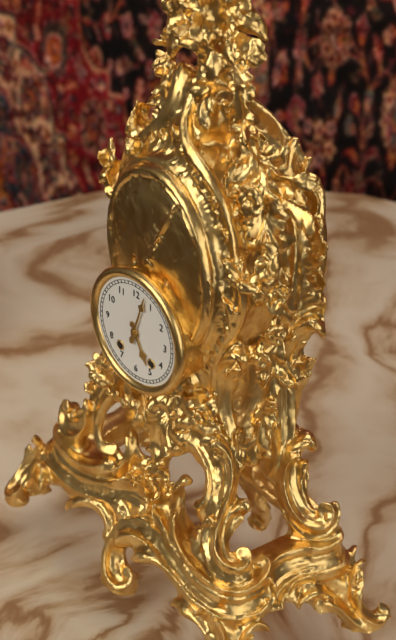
5.03
